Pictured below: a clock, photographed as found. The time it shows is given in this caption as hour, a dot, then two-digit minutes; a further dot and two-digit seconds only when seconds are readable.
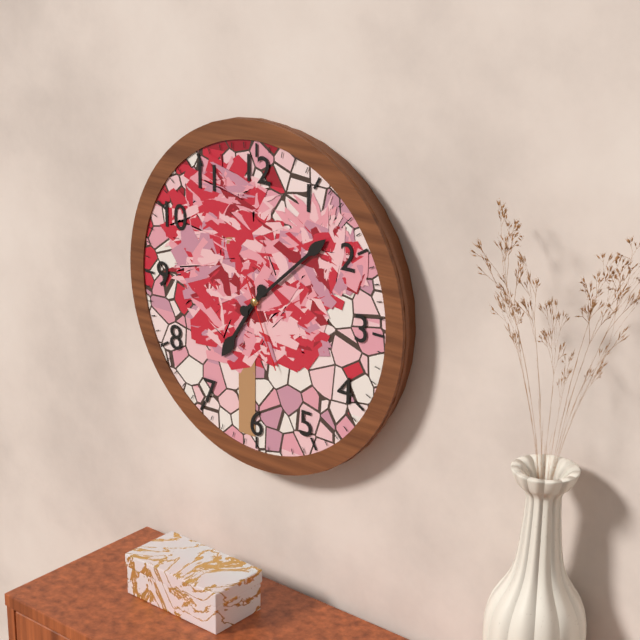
7.08.26
